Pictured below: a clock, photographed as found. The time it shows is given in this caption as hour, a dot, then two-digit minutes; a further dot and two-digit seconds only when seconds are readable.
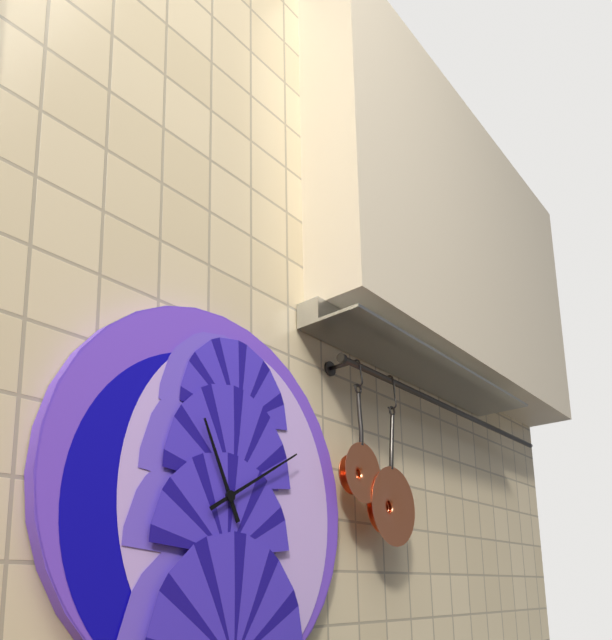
11.10
